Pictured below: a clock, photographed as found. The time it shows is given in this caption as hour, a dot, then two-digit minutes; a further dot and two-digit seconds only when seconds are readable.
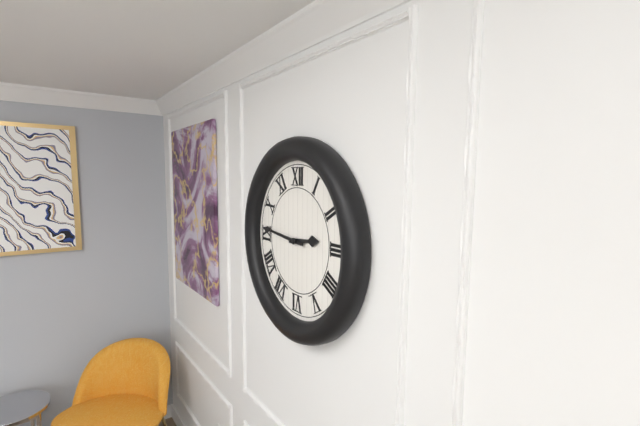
2.46
